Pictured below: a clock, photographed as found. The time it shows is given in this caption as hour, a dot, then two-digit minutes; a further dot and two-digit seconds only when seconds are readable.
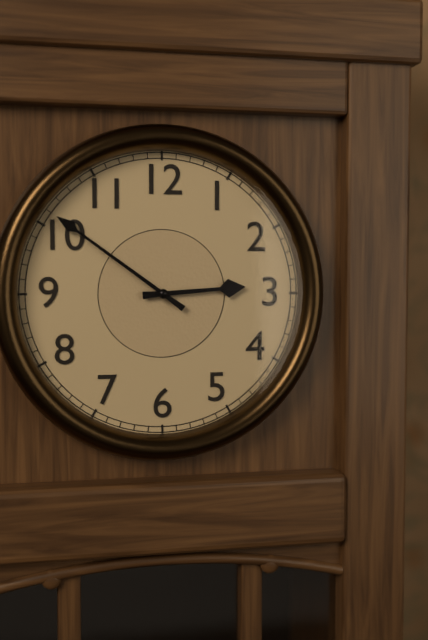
2.51
